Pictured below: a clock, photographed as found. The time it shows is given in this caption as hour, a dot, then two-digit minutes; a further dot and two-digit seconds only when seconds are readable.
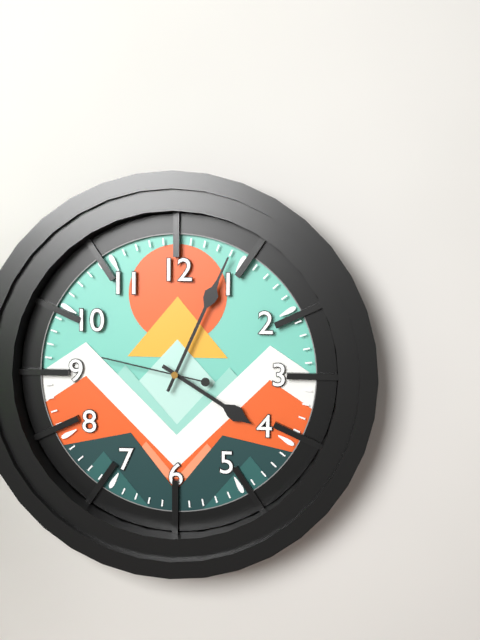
4.04.47
